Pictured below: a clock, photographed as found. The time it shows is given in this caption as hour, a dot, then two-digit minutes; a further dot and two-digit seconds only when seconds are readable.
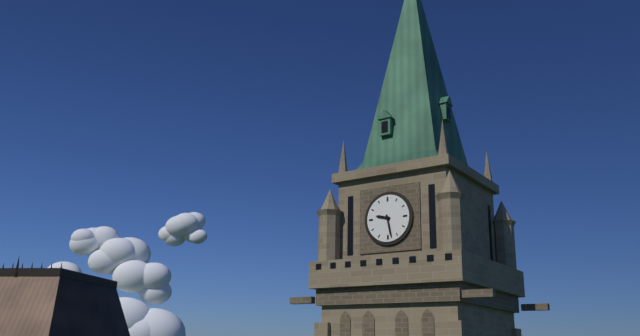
9.28
